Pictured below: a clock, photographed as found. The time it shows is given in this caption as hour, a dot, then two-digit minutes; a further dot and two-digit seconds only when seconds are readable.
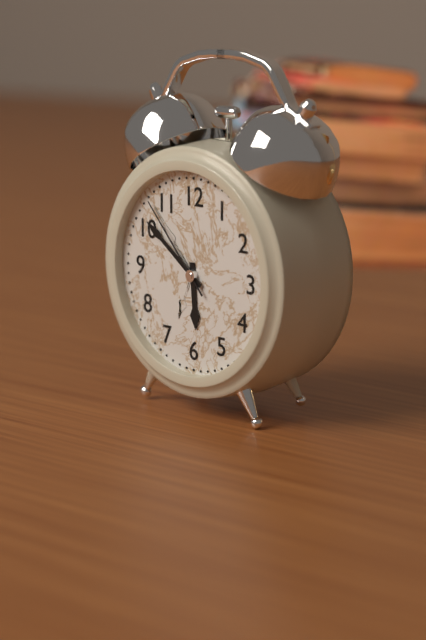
5.51.53
